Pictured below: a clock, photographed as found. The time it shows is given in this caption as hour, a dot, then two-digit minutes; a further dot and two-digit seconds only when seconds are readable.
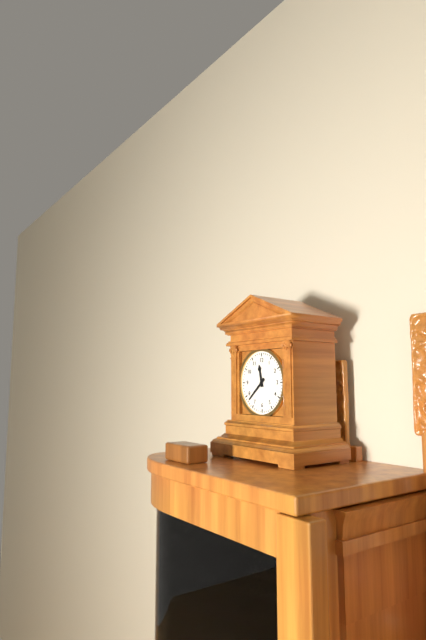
11.38
